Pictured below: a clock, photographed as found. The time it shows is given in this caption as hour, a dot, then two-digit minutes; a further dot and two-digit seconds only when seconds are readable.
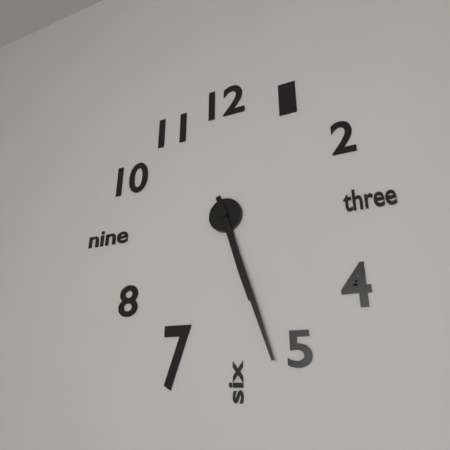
5.27
